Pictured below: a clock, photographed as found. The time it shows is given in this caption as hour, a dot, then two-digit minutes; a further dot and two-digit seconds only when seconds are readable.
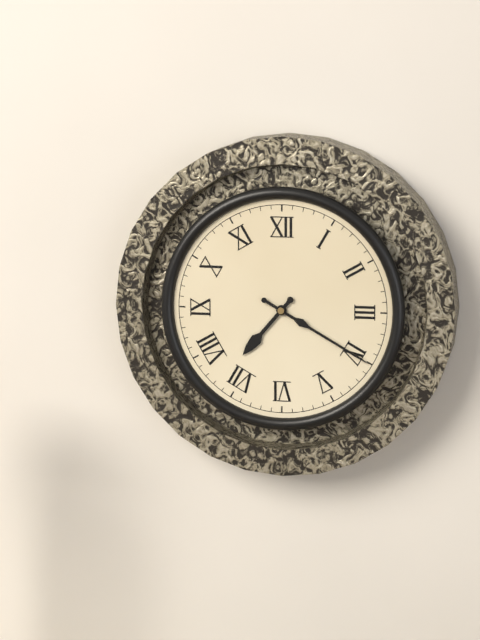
7.20
